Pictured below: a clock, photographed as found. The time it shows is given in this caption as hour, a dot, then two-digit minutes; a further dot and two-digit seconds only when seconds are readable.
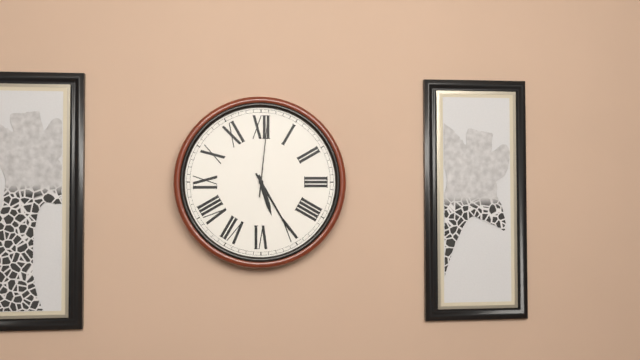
5.25.01
